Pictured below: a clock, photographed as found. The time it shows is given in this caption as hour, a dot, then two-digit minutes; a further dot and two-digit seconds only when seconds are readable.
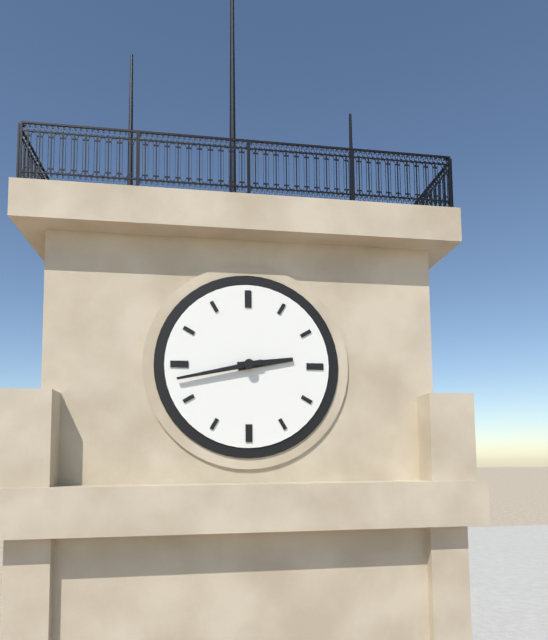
2.43
